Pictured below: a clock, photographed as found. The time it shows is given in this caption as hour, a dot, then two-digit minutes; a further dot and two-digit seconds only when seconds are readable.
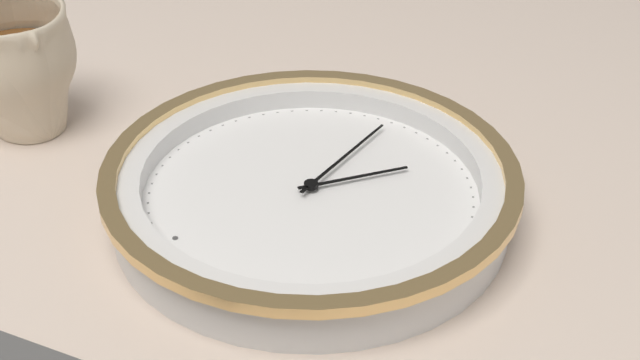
6.26
